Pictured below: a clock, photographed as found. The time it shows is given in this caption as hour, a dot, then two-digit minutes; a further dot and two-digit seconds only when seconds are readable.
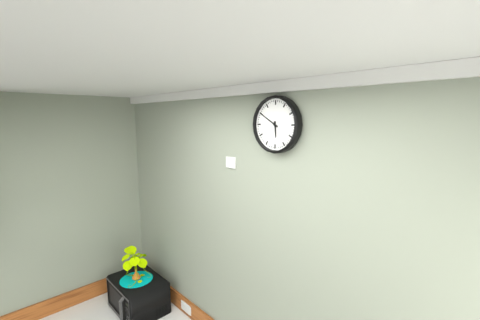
5.50
